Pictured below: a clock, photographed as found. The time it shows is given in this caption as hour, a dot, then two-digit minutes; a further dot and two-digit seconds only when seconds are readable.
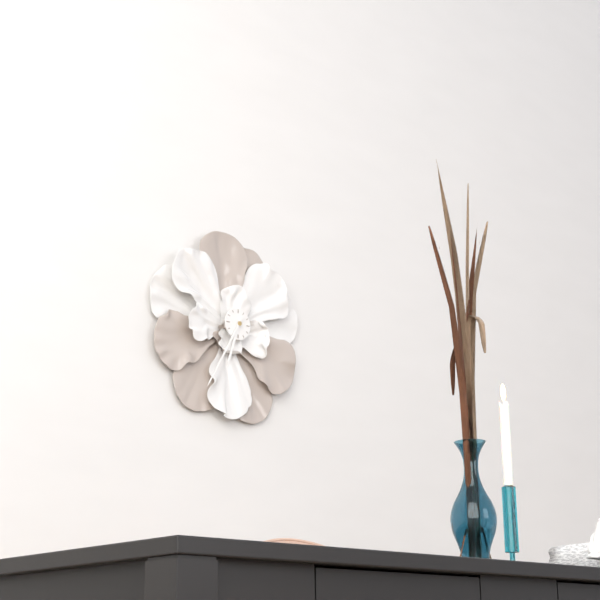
6.35
